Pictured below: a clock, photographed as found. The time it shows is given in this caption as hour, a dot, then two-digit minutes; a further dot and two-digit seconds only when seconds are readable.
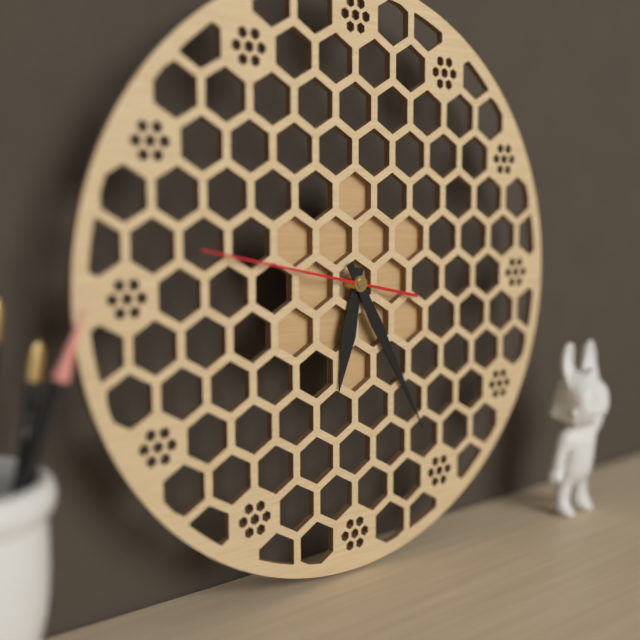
6.25.47
